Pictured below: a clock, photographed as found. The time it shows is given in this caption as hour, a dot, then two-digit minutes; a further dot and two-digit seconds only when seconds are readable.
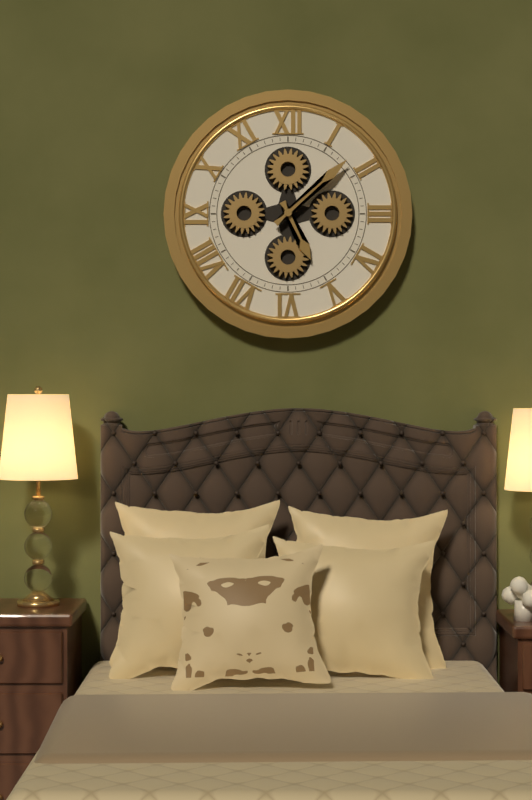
5.08
